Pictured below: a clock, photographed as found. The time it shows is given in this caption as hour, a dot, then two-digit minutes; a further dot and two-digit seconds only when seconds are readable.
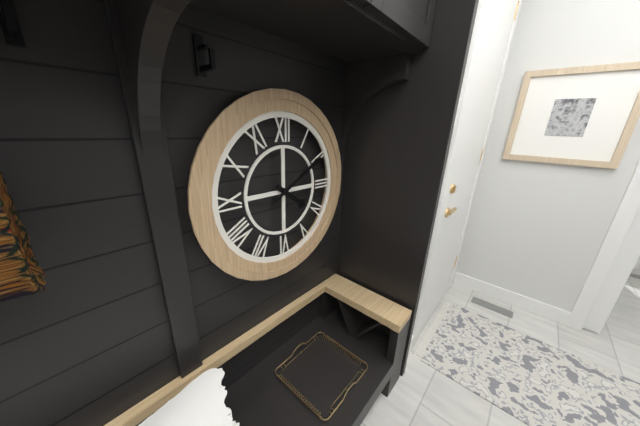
4.10
